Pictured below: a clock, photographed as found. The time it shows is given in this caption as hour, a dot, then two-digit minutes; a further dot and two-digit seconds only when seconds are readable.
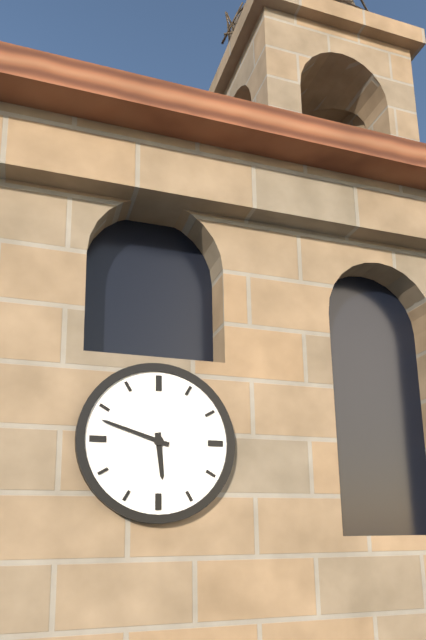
5.48
